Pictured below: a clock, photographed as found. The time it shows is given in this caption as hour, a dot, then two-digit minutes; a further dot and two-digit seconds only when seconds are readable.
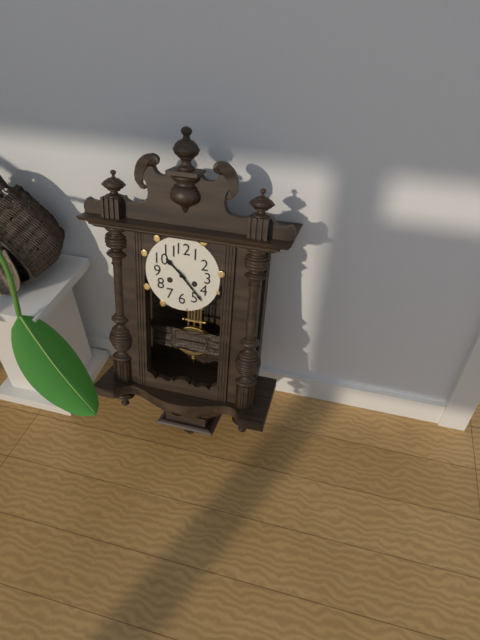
10.23
